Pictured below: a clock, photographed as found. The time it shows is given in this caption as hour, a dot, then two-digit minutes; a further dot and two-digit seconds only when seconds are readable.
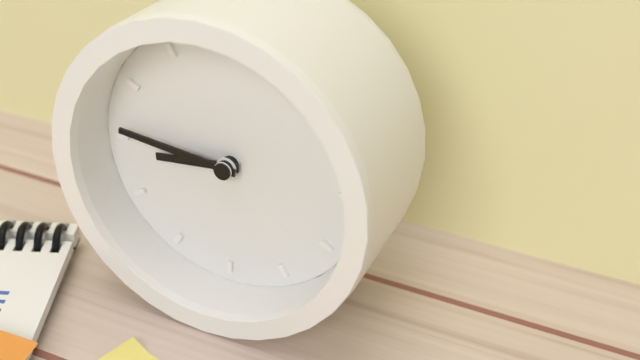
8.46
